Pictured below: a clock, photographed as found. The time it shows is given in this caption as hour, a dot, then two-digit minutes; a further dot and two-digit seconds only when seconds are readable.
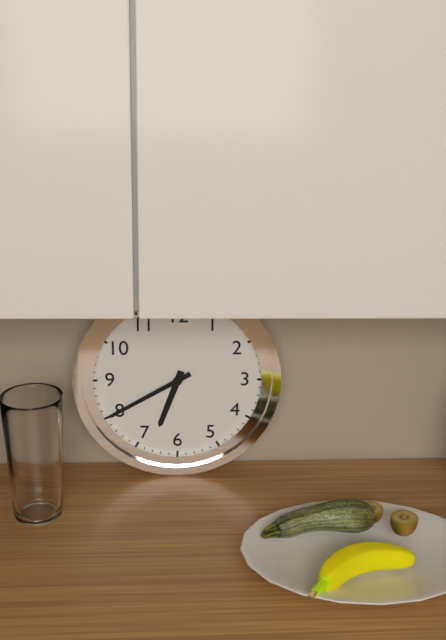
6.40
